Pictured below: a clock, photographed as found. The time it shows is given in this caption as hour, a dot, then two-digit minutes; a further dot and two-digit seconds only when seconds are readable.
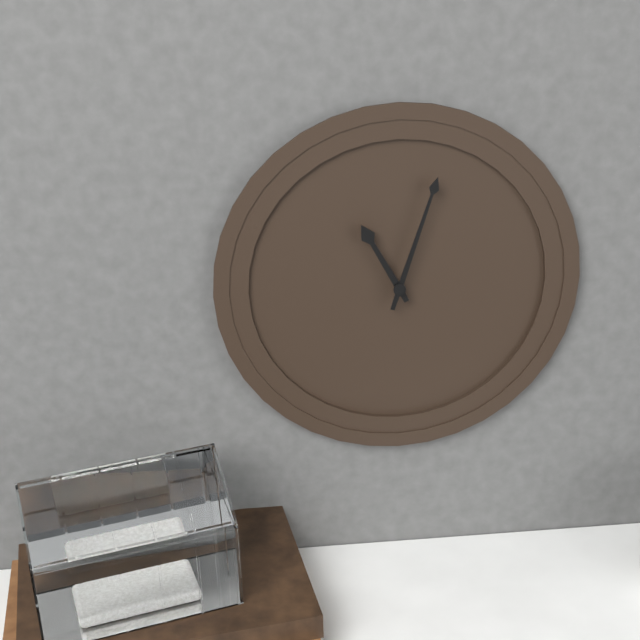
11.03
